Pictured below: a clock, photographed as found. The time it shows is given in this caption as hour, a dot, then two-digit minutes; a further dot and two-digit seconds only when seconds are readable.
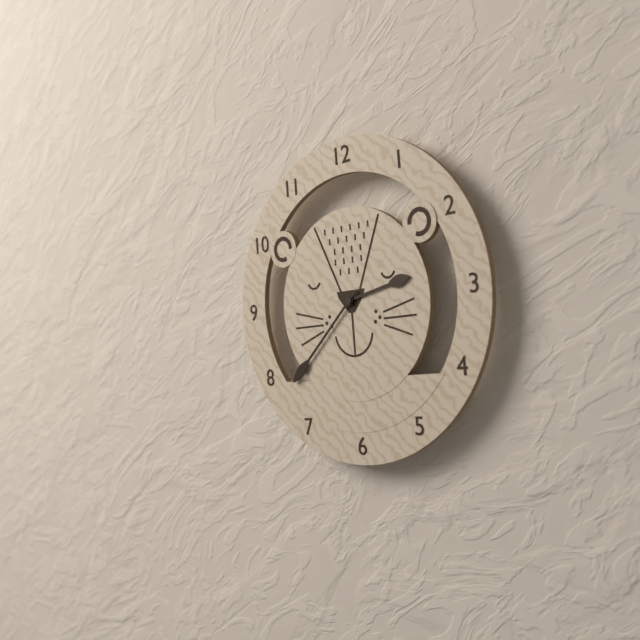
2.38
